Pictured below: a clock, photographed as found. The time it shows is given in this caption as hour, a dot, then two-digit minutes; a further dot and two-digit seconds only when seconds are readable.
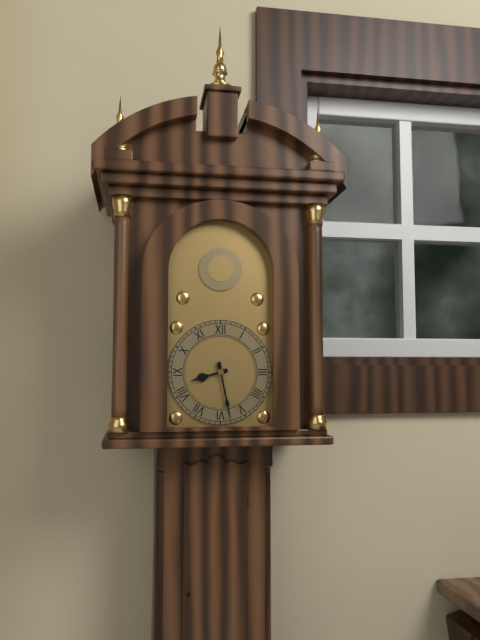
8.28
